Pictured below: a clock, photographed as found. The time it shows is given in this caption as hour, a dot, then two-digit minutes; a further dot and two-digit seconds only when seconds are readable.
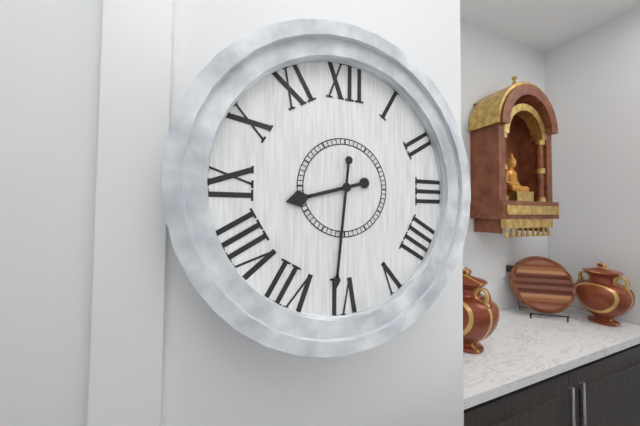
8.31
